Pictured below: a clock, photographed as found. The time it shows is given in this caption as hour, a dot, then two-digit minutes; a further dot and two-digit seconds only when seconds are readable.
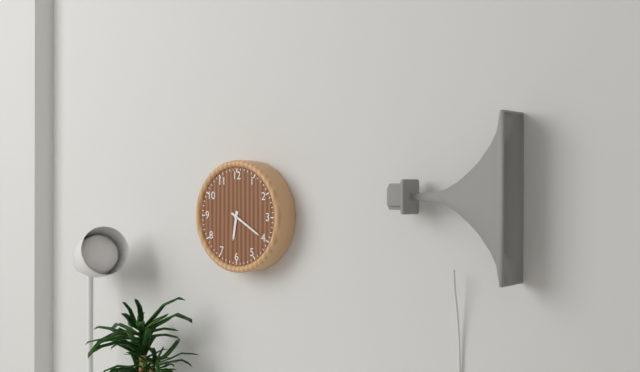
6.20
